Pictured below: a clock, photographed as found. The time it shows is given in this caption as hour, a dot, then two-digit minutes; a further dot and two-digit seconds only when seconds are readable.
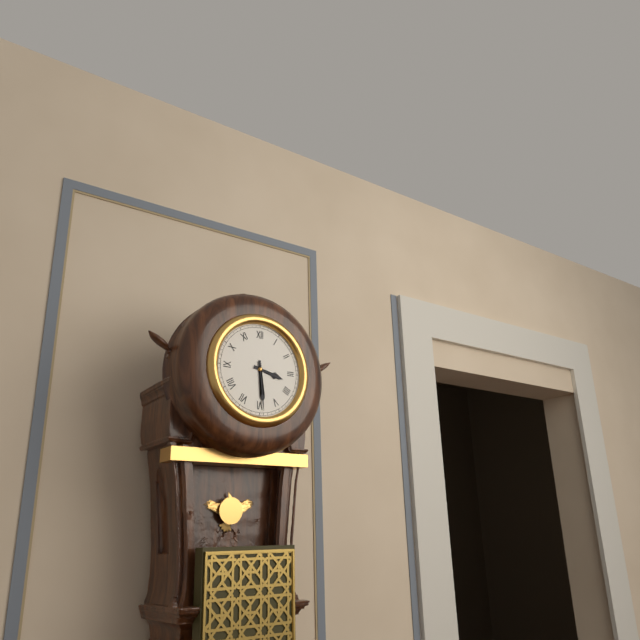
3.29
